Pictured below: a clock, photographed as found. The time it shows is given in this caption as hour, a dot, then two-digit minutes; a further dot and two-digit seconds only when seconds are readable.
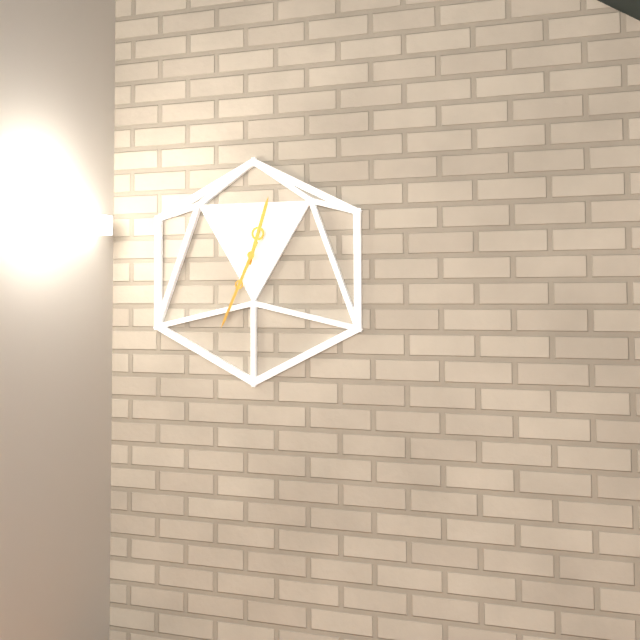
12.34
